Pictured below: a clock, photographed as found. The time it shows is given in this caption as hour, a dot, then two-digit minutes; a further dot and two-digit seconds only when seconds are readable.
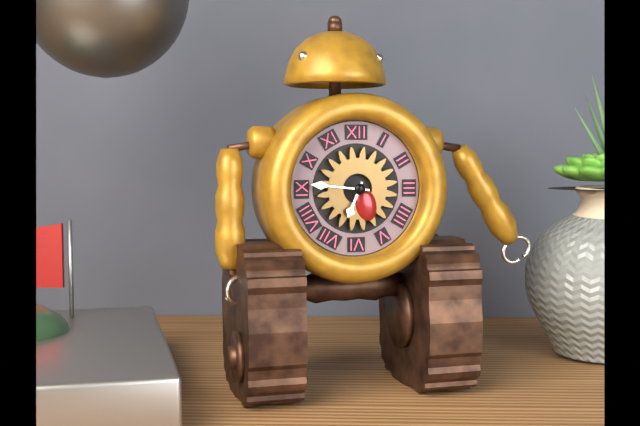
6.46
